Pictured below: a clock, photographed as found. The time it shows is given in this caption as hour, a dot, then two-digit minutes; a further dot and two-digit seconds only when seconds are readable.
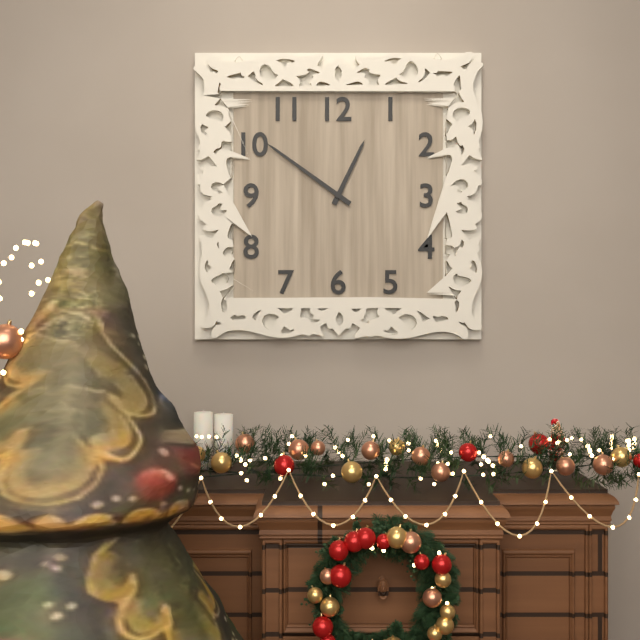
12.51
